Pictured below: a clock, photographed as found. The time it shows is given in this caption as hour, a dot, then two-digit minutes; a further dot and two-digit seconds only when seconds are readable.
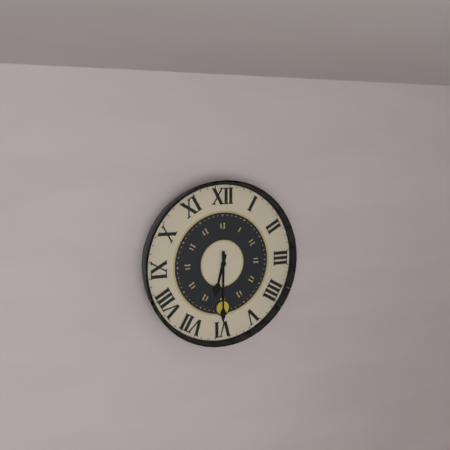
6.30
